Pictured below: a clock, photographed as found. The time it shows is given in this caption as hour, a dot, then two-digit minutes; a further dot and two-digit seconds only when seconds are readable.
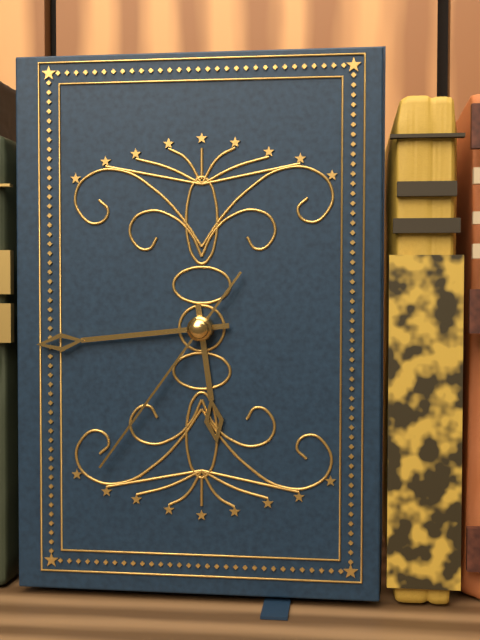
5.44.36
